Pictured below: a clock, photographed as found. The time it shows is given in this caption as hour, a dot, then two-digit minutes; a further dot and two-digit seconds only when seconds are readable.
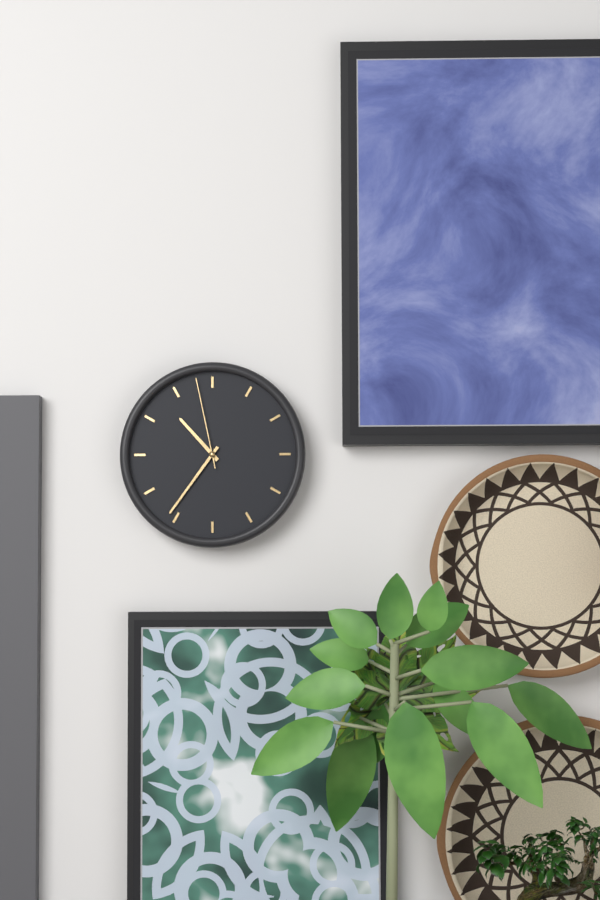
10.36.58
